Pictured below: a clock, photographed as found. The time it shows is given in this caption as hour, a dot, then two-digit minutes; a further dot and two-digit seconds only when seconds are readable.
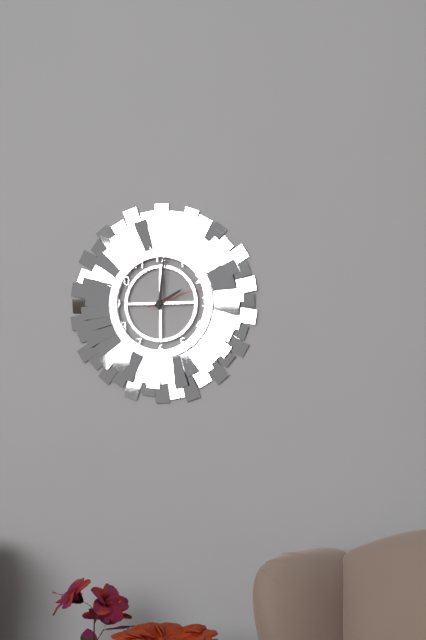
2.01.12
